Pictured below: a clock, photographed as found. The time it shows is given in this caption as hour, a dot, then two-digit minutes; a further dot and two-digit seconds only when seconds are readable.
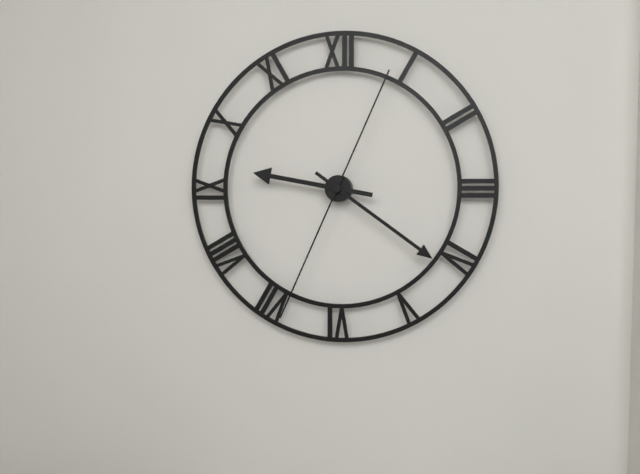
9.21.34
